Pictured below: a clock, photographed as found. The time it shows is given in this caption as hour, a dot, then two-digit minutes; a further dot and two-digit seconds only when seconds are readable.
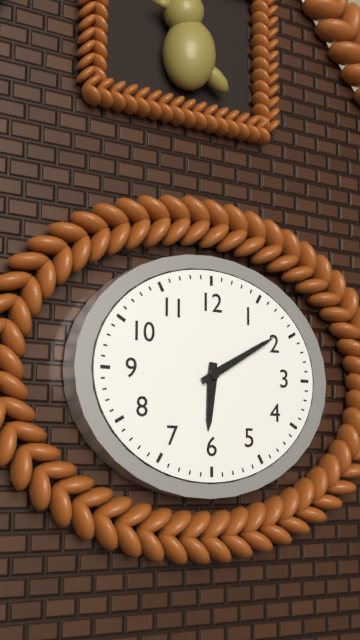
6.10
